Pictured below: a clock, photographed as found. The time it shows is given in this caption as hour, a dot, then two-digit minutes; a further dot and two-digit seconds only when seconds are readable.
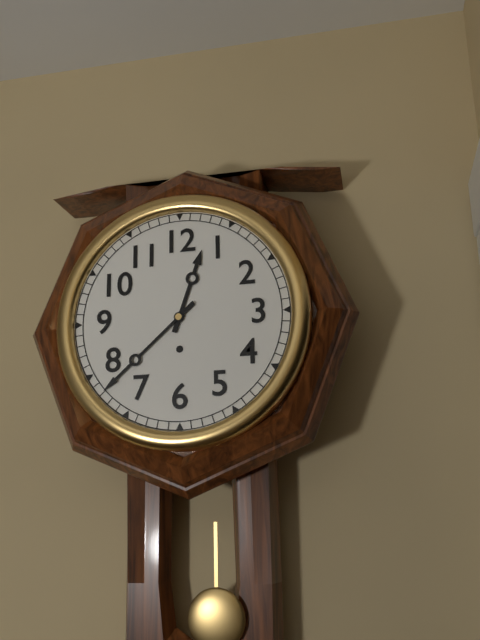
12.38
